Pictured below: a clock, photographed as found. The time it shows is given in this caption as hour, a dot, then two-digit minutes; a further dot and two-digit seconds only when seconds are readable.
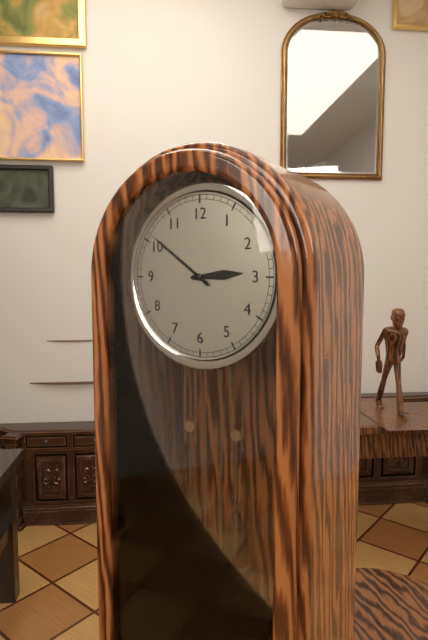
2.51
